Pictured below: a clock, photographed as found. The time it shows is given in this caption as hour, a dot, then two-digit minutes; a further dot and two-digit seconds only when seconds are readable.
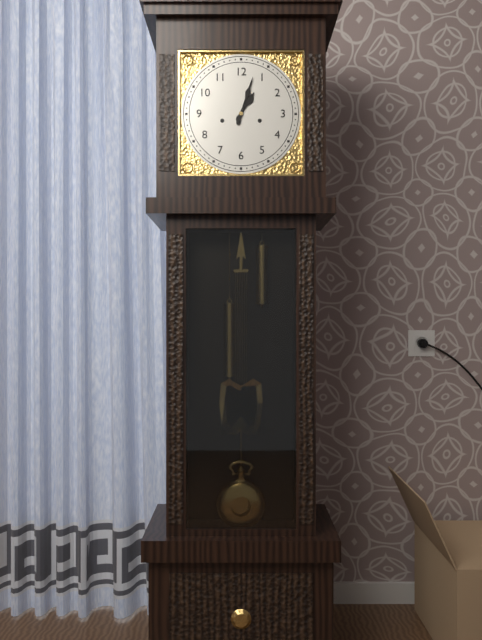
1.03
